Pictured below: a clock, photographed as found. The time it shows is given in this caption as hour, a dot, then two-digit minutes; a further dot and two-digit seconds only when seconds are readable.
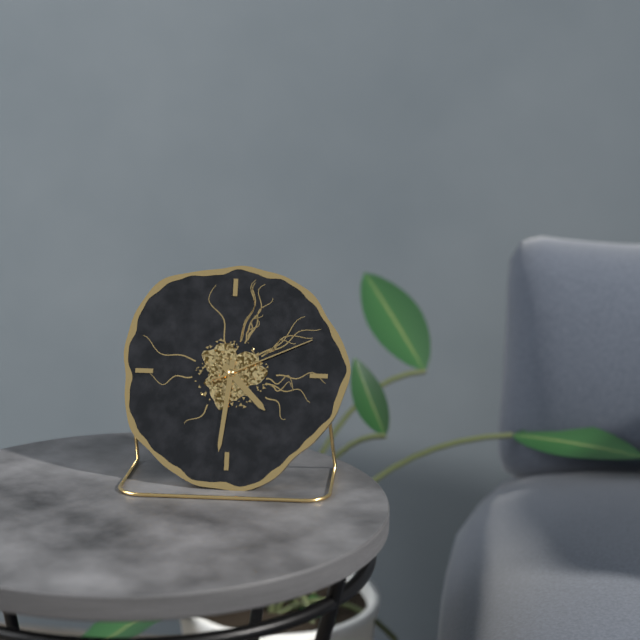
4.31.11
